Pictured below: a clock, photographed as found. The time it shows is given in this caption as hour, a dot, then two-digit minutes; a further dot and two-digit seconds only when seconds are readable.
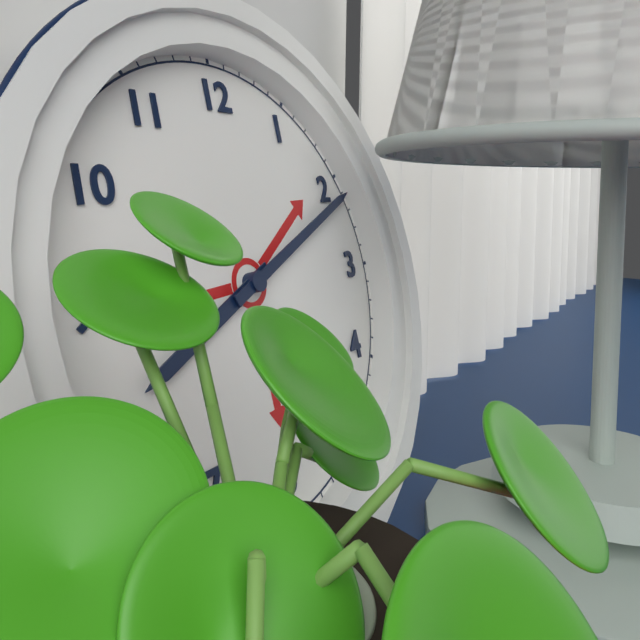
8.11
